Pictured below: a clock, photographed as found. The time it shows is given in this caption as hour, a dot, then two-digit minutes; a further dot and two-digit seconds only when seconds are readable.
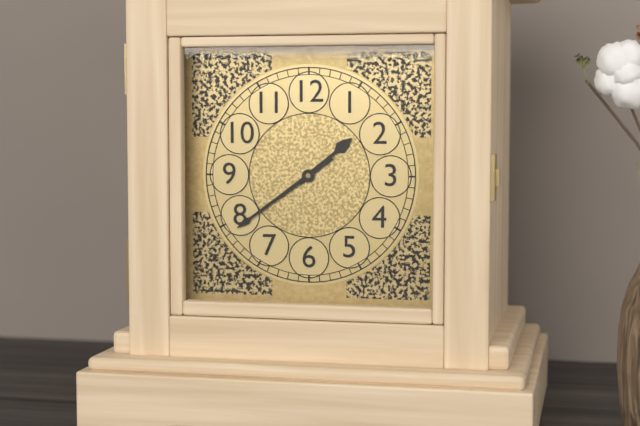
1.39
